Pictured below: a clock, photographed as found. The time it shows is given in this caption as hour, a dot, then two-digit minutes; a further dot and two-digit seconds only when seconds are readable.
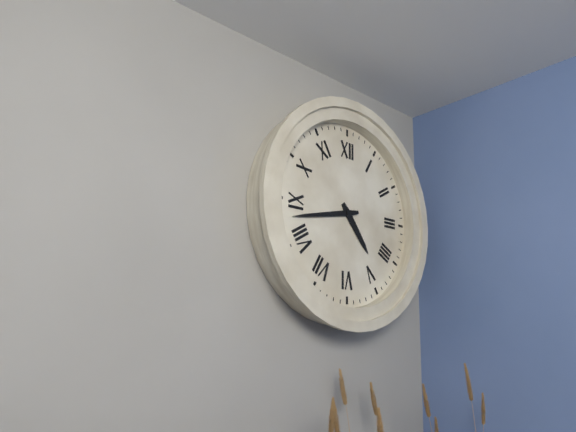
4.43
